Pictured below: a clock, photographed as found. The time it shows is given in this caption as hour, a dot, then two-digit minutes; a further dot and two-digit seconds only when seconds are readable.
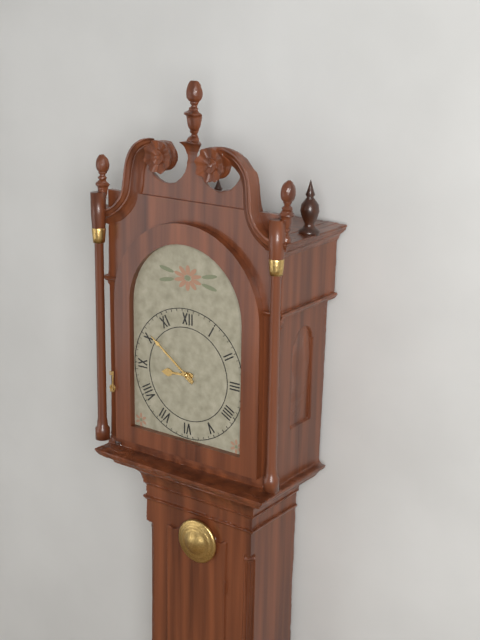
8.51
